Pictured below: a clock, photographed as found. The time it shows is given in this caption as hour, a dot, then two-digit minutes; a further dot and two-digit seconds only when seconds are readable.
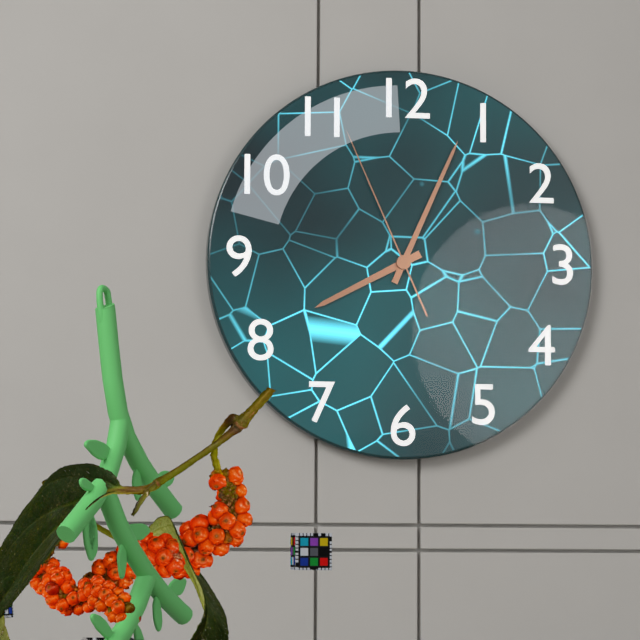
8.04.56
